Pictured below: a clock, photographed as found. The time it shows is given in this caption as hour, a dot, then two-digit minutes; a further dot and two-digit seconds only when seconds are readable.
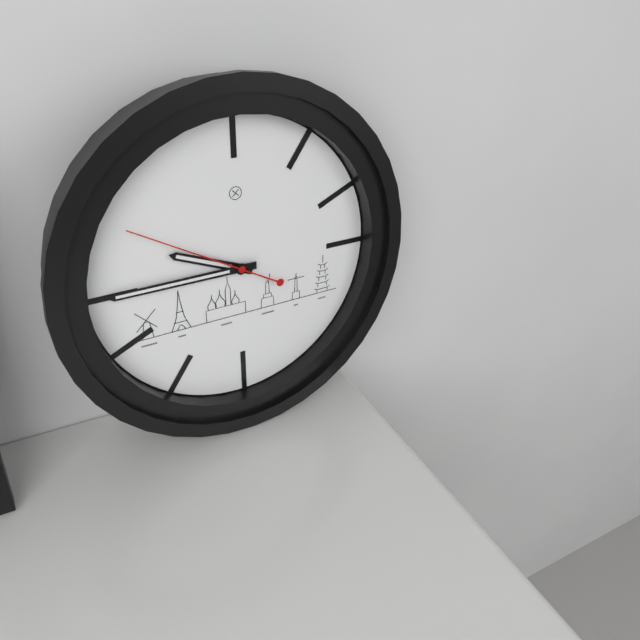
9.45.50
